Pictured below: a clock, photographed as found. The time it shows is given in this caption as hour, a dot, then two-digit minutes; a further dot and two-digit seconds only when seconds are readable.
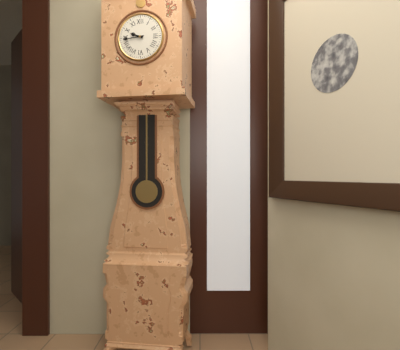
9.44
